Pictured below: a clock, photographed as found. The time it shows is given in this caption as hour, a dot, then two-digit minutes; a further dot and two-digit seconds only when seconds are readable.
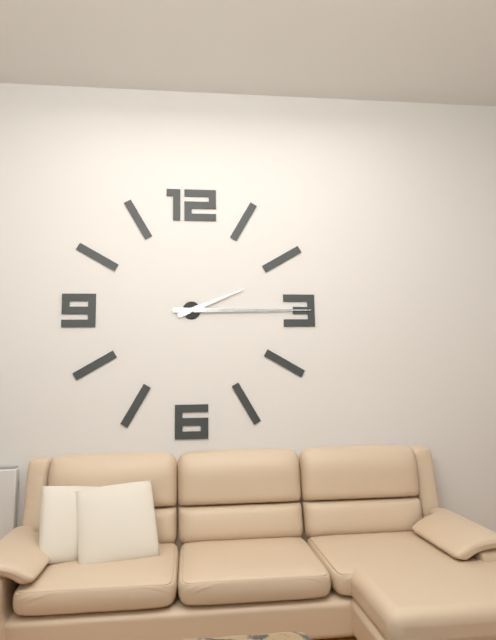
2.15
